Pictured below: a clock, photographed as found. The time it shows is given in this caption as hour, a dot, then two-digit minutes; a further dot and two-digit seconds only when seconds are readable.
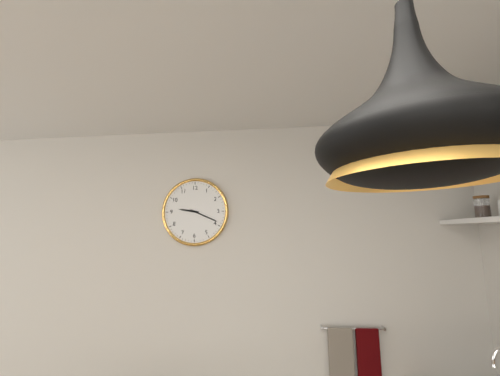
9.19
